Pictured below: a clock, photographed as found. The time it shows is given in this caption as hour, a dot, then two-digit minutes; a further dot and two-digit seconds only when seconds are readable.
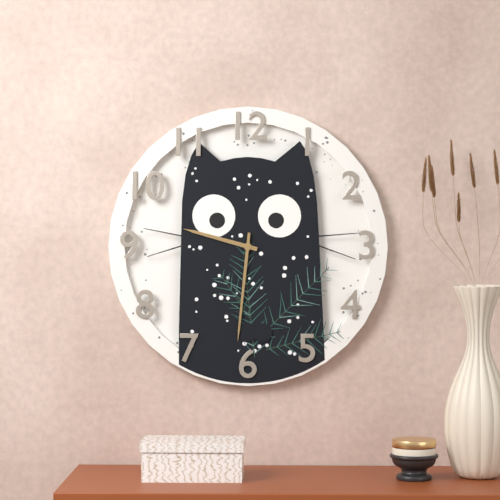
9.31
